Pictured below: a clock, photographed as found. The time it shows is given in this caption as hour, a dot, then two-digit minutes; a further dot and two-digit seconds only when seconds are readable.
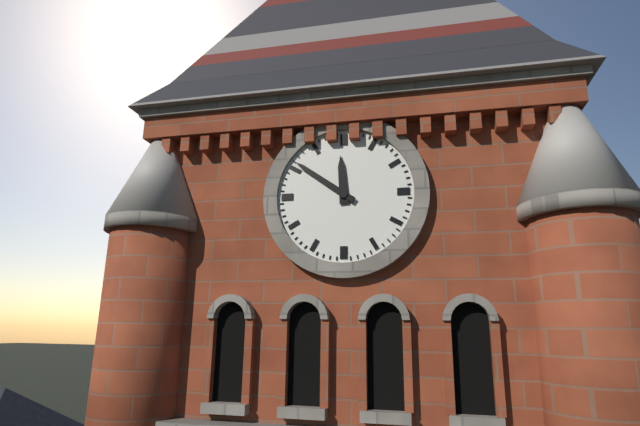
11.51
